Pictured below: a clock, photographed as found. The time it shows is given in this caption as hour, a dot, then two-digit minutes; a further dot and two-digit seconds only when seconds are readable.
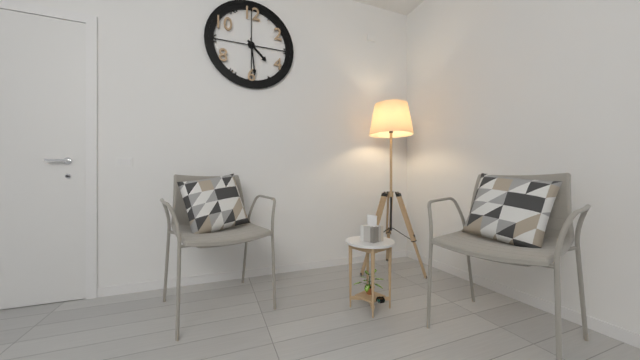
4.29
